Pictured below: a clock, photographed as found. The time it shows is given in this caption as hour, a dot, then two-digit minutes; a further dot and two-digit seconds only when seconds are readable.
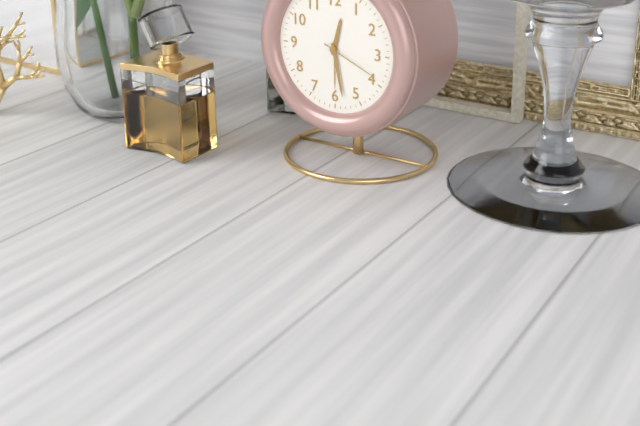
12.28.19
